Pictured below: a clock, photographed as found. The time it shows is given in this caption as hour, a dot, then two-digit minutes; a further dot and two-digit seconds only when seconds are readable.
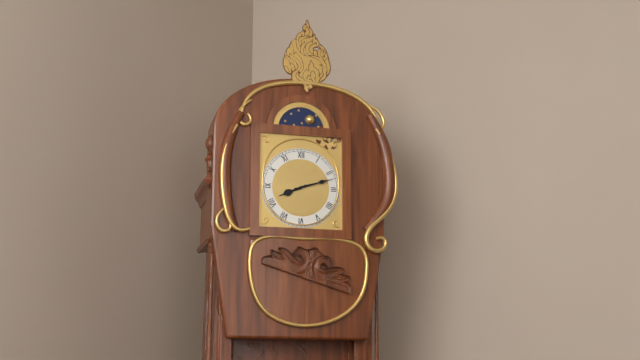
8.12
